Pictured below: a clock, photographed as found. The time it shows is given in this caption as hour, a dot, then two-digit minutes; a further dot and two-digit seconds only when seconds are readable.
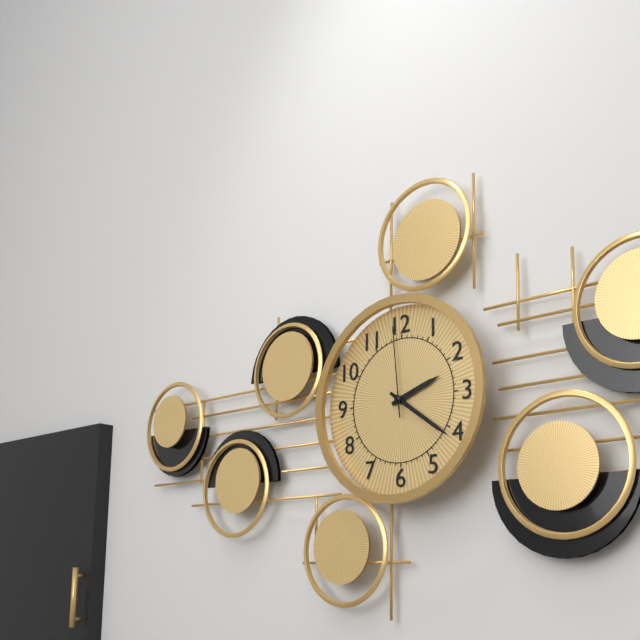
2.21.59
